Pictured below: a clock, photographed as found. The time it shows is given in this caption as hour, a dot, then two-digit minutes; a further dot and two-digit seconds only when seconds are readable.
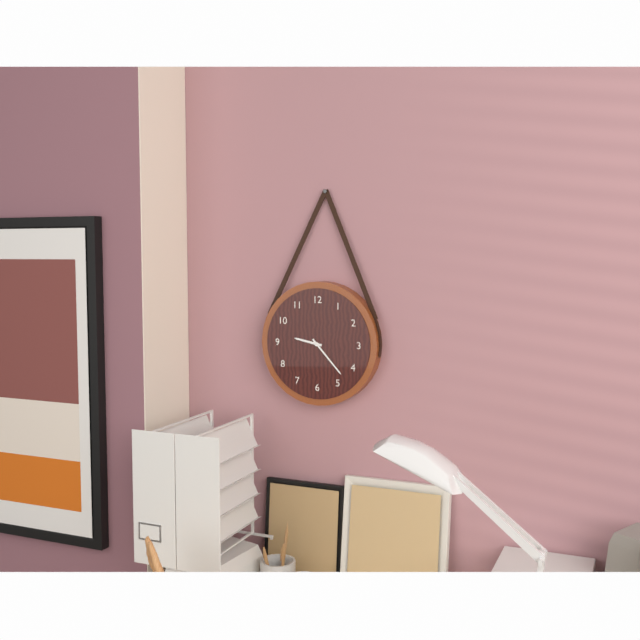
9.23
